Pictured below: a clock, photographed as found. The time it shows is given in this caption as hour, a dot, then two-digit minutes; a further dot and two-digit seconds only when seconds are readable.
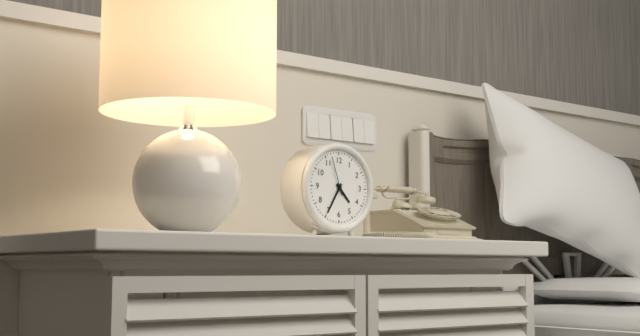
4.35
